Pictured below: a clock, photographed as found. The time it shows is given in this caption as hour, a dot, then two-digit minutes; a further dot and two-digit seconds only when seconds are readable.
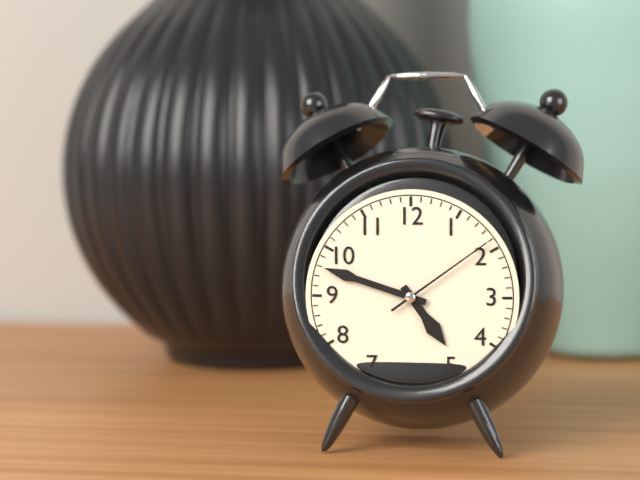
4.48.09
